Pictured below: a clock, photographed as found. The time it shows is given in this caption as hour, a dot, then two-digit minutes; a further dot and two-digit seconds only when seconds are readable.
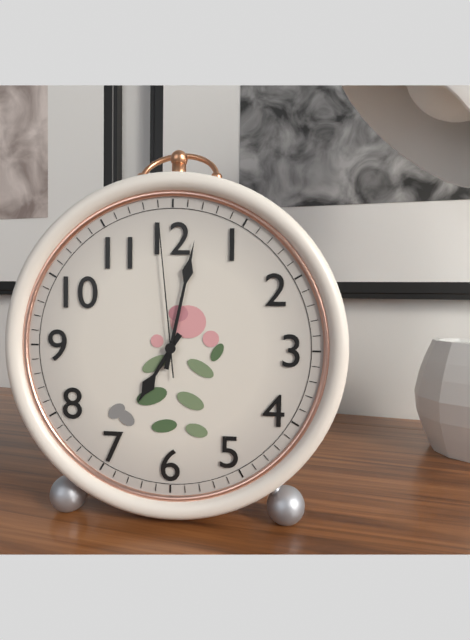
7.02.59
